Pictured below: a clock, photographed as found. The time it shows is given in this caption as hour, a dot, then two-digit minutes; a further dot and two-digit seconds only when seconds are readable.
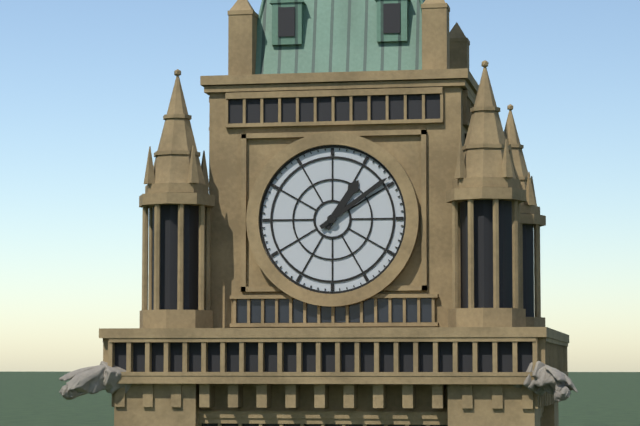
1.09
